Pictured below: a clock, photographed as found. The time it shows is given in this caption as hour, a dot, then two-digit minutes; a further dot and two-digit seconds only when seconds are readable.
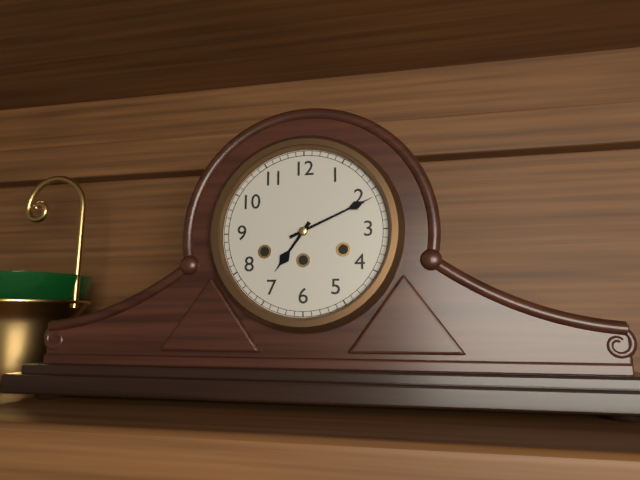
7.11
